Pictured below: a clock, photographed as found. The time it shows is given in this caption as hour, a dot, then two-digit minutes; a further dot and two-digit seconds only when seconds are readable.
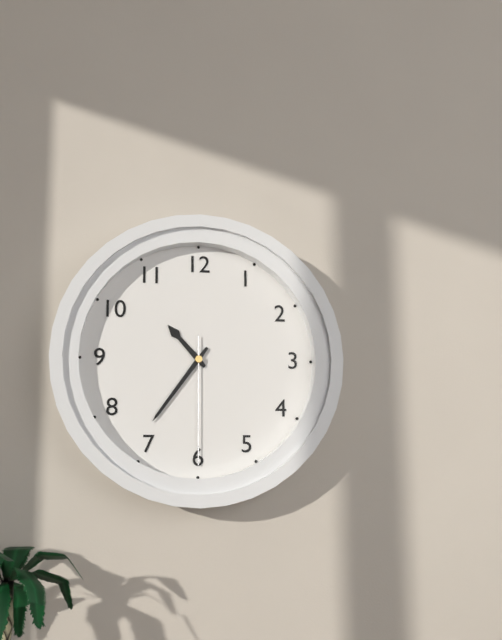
10.36.30
